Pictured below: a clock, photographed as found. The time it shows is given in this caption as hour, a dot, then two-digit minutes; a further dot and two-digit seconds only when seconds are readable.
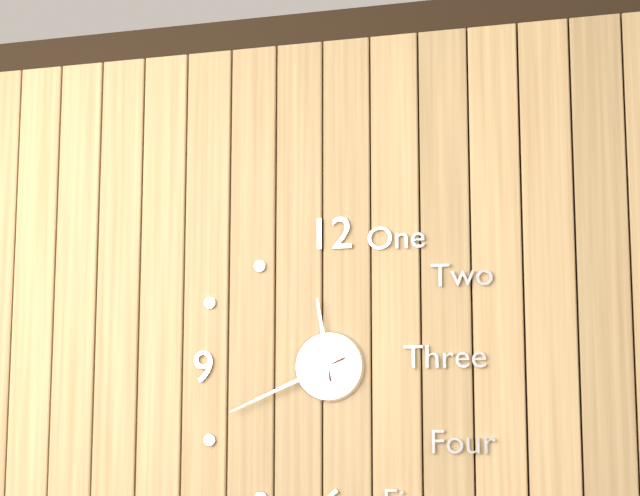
11.41
